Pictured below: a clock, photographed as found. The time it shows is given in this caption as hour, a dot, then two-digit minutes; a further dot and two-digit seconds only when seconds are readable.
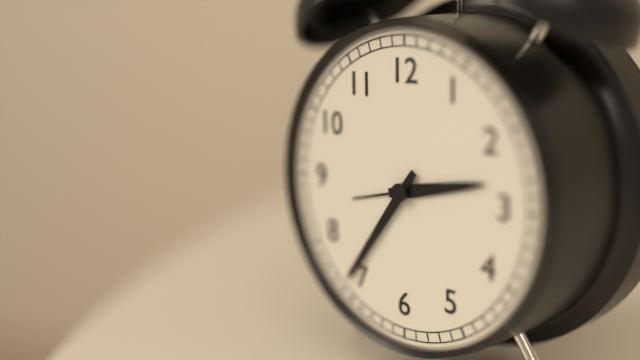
2.36
